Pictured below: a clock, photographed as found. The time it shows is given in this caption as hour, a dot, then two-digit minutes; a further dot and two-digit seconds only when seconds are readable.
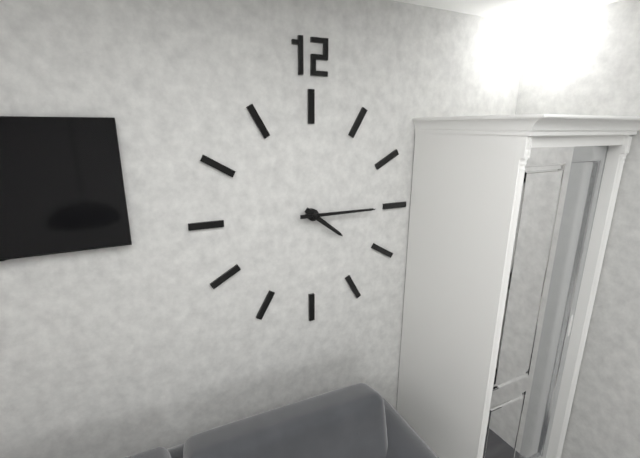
4.15
